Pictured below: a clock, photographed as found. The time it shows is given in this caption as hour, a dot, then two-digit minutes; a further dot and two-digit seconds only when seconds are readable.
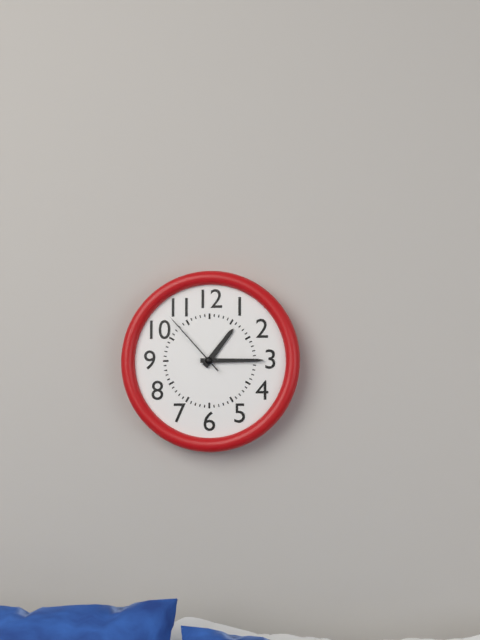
1.15.53
